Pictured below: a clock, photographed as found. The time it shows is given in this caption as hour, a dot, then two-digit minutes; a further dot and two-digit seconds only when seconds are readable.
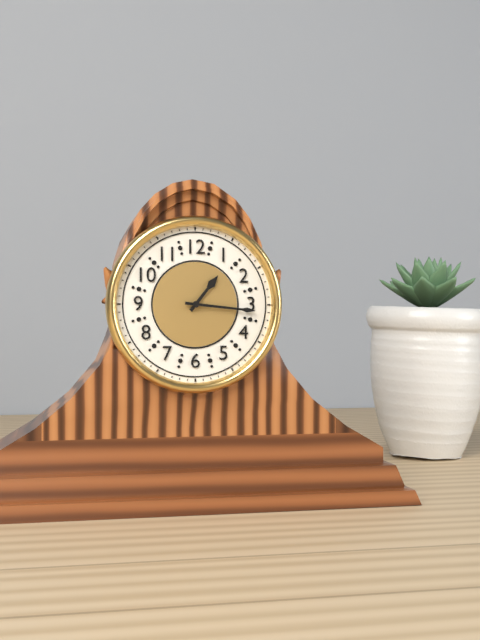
1.16
